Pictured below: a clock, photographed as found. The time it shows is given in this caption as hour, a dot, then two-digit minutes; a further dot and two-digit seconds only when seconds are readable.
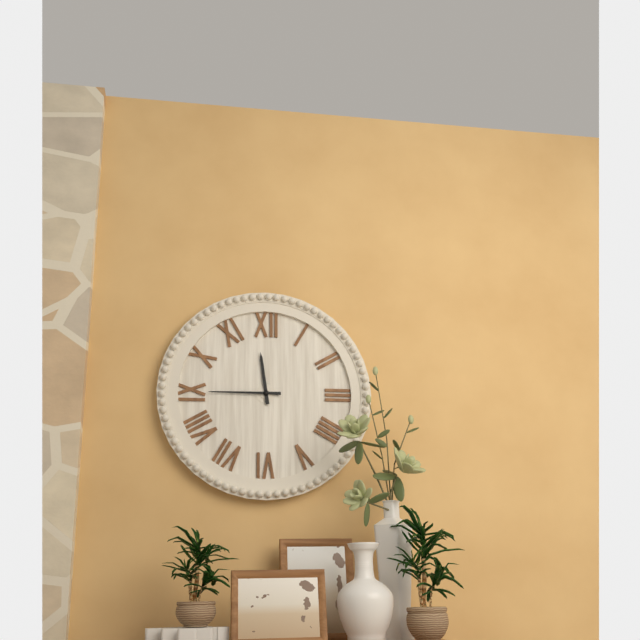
11.45
